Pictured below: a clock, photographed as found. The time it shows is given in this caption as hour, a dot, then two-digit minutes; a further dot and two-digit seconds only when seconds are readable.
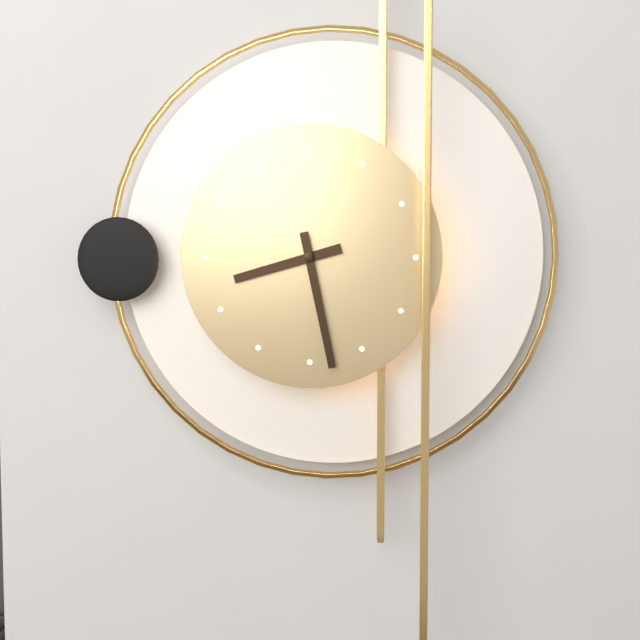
8.28
